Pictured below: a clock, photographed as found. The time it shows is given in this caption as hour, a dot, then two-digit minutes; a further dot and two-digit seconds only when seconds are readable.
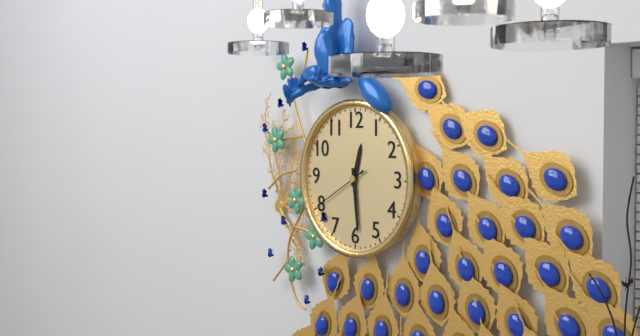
12.29.40
